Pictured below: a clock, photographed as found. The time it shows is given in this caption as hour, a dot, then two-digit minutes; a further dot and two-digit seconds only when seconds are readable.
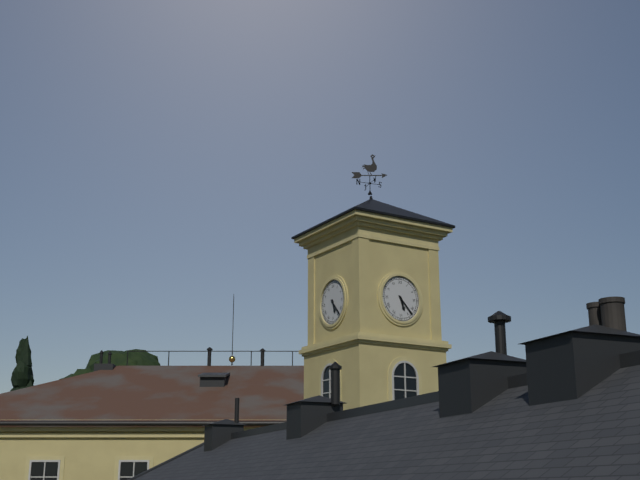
5.23
